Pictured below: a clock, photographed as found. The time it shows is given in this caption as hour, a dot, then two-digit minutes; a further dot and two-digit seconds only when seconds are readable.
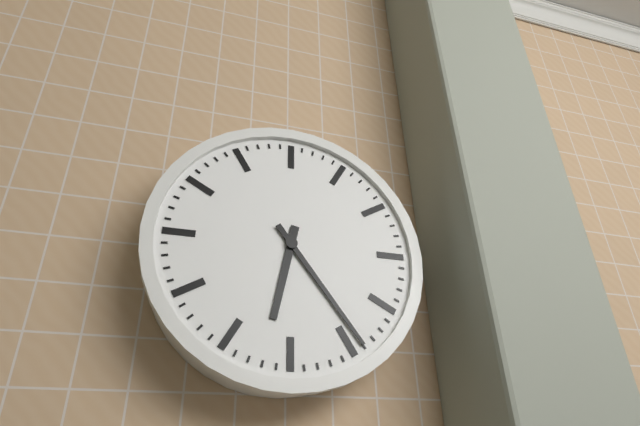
6.24
